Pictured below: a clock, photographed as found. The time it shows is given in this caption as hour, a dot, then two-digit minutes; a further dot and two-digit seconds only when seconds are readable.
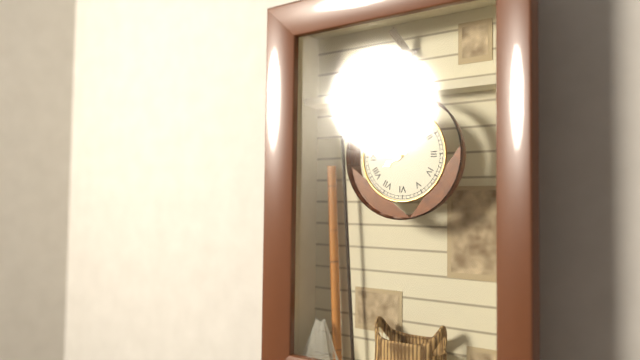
8.08
